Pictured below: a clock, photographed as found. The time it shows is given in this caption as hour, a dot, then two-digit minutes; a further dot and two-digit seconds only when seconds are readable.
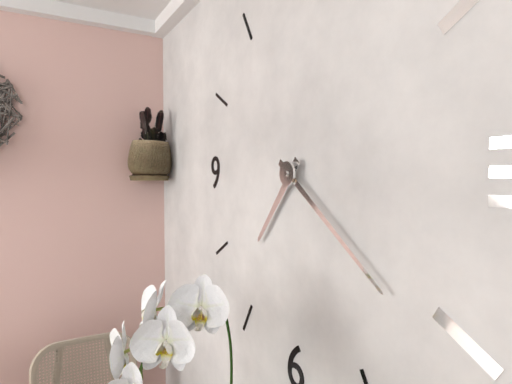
7.21
